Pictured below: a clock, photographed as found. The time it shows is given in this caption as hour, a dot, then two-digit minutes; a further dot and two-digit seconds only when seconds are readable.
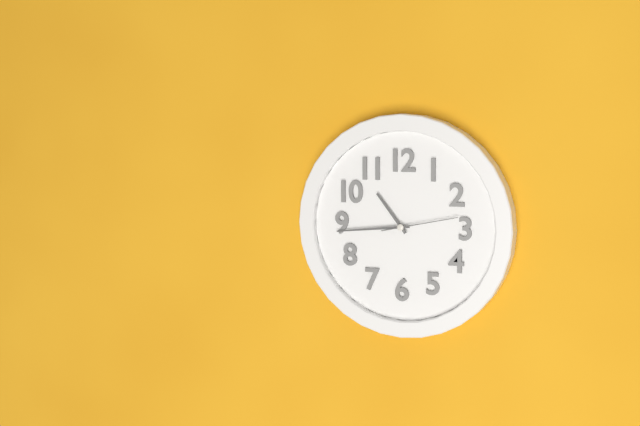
10.44.13
